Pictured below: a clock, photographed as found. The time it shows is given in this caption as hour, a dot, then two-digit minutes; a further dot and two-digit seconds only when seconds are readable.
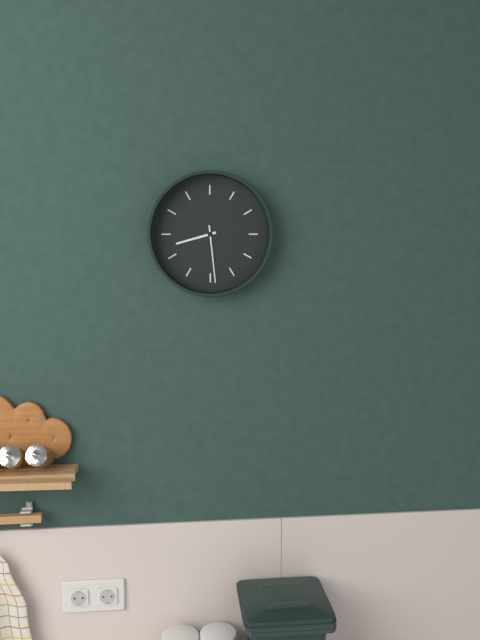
8.29
